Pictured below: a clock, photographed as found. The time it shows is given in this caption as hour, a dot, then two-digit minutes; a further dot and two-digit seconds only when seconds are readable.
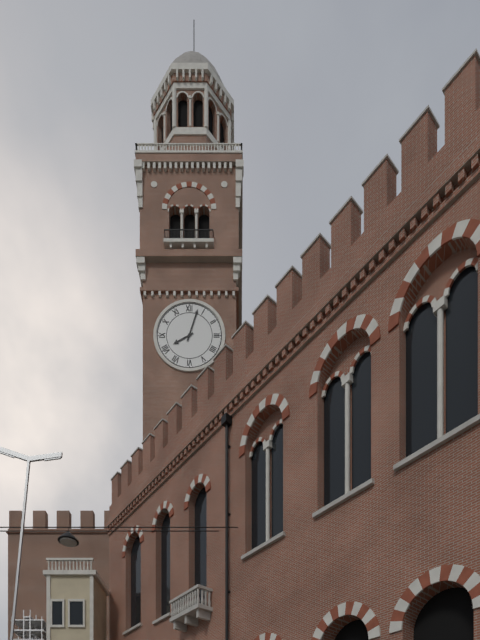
8.03
